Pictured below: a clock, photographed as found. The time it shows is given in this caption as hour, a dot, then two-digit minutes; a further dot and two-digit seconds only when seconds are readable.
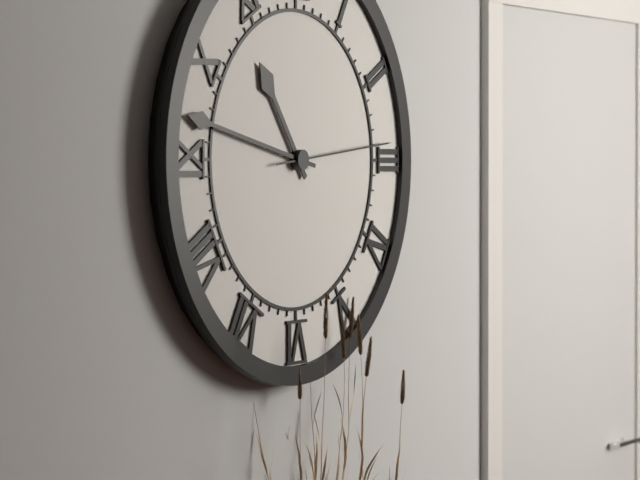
10.47.14
